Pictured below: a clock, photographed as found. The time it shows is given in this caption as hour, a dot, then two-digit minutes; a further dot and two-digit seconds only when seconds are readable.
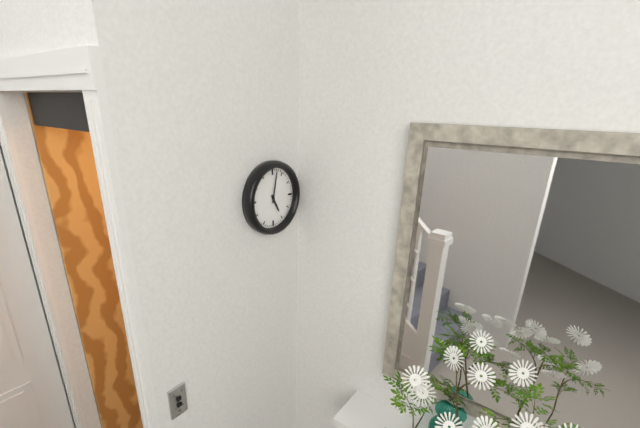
5.02
